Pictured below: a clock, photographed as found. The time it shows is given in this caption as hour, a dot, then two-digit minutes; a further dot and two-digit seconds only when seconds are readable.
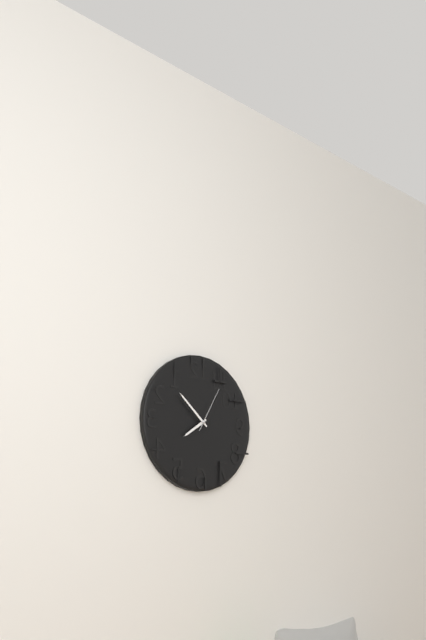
7.52.05
